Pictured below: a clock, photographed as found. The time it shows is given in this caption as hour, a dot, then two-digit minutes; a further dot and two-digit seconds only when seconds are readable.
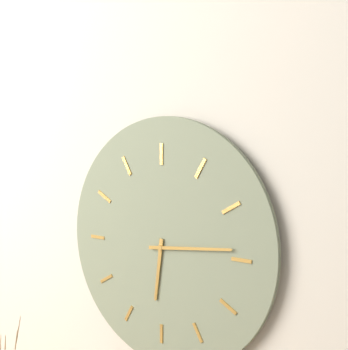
6.14
